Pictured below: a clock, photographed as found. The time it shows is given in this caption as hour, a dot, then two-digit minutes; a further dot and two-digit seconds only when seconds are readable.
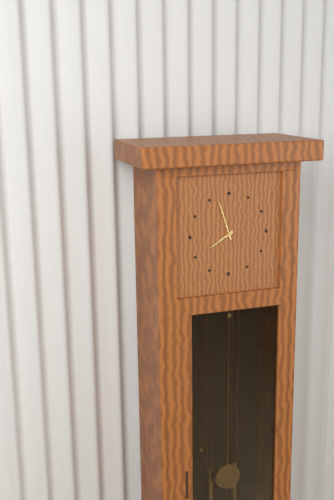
7.57
